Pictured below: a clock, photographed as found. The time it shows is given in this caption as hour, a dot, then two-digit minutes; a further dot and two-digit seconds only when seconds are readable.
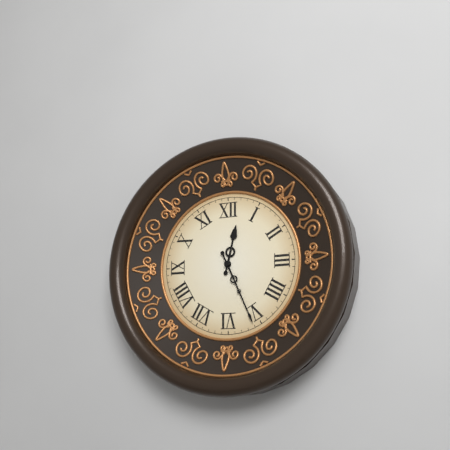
12.26
